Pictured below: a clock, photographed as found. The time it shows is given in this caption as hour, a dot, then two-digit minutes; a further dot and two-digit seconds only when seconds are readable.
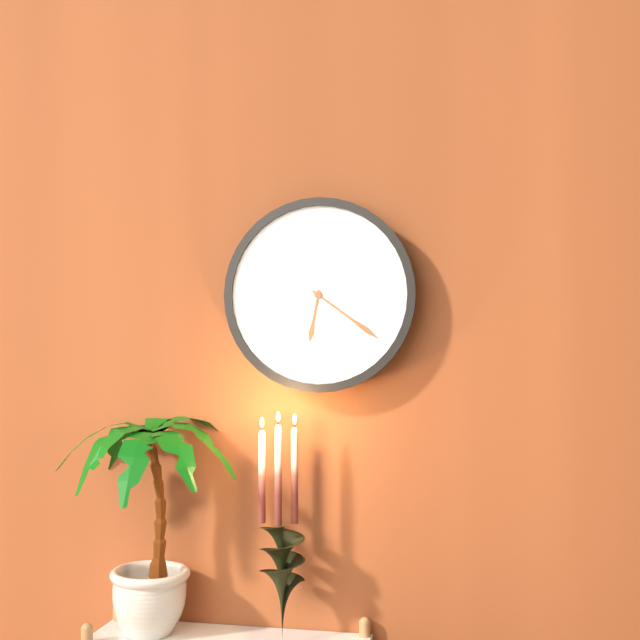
6.21
